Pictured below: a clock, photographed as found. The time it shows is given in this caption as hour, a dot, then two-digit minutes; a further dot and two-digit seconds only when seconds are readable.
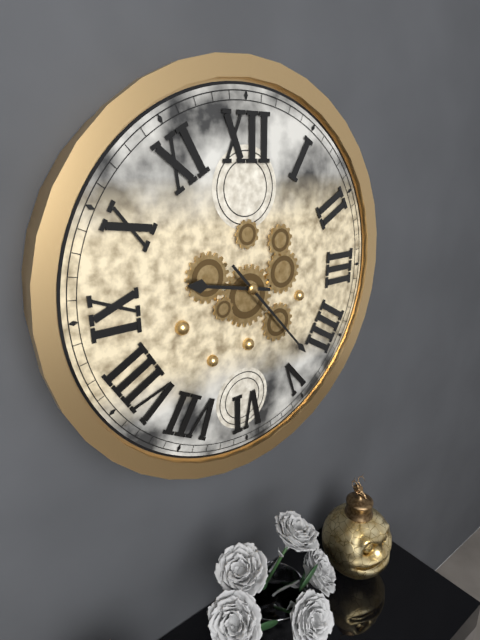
9.23
